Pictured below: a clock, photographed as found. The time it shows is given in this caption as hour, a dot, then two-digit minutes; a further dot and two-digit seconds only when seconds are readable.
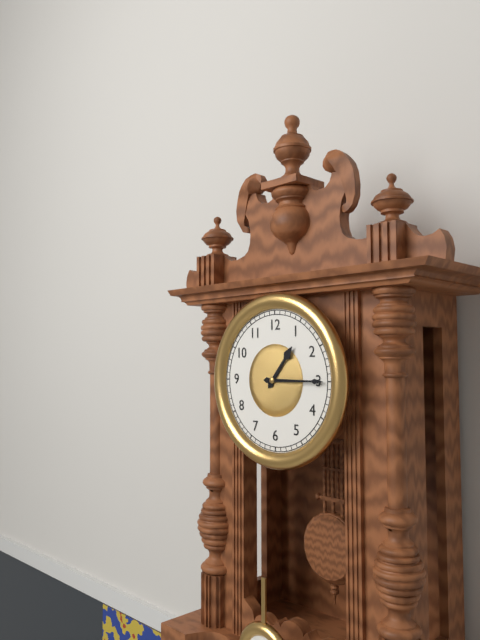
1.15
